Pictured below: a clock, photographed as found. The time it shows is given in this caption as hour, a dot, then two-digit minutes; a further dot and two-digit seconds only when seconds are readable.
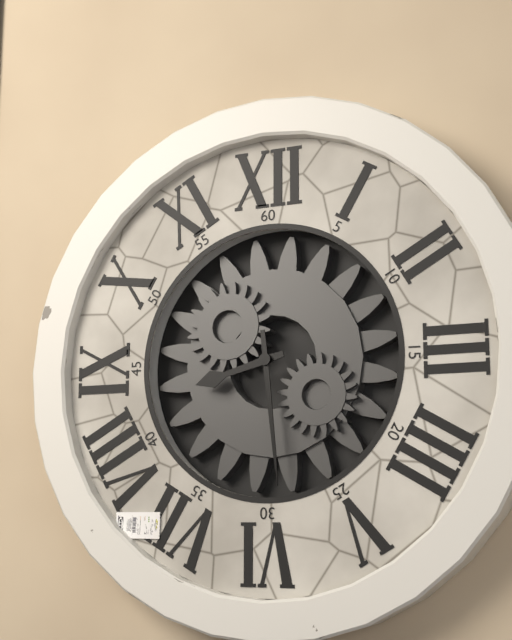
8.29
